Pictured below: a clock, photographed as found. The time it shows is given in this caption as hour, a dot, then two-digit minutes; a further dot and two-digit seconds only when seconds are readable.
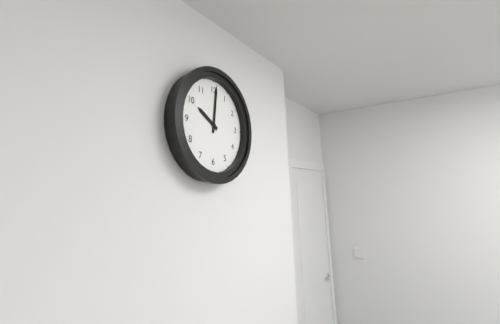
10.01
